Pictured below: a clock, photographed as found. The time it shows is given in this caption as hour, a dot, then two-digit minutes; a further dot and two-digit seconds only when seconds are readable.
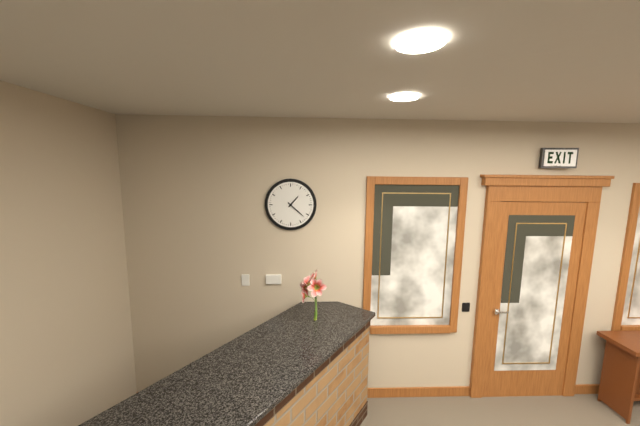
1.22
